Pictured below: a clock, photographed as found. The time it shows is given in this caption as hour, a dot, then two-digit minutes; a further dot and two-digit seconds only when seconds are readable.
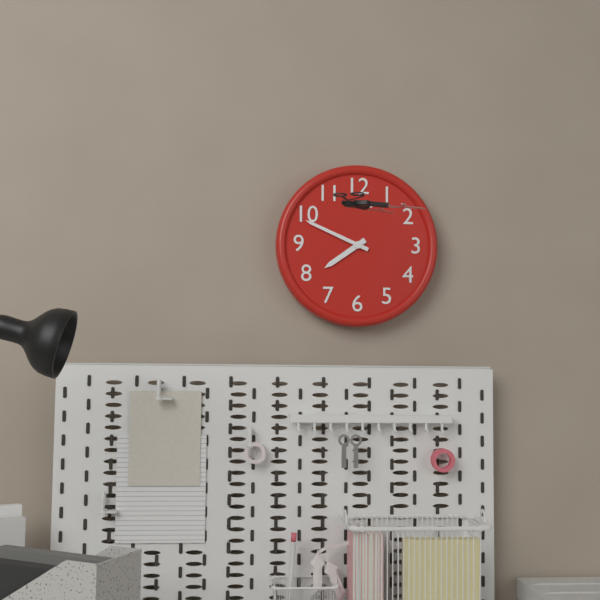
7.49
